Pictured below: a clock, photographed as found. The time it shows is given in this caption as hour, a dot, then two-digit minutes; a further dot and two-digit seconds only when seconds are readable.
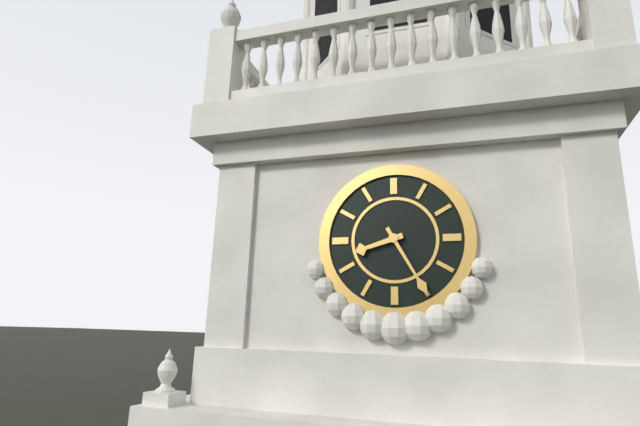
8.25
